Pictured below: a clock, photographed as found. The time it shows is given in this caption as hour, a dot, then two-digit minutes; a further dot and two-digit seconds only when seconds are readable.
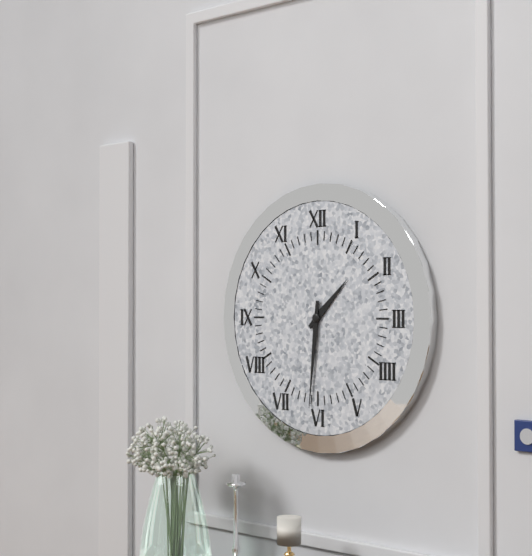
1.31
